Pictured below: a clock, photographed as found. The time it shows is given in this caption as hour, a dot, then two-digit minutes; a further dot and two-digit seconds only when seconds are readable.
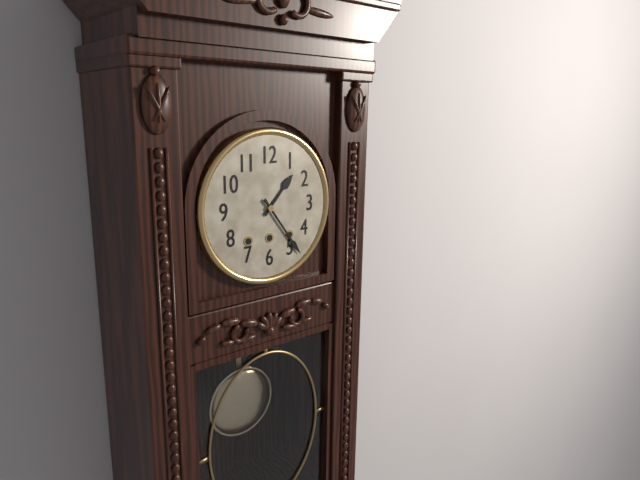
1.24
